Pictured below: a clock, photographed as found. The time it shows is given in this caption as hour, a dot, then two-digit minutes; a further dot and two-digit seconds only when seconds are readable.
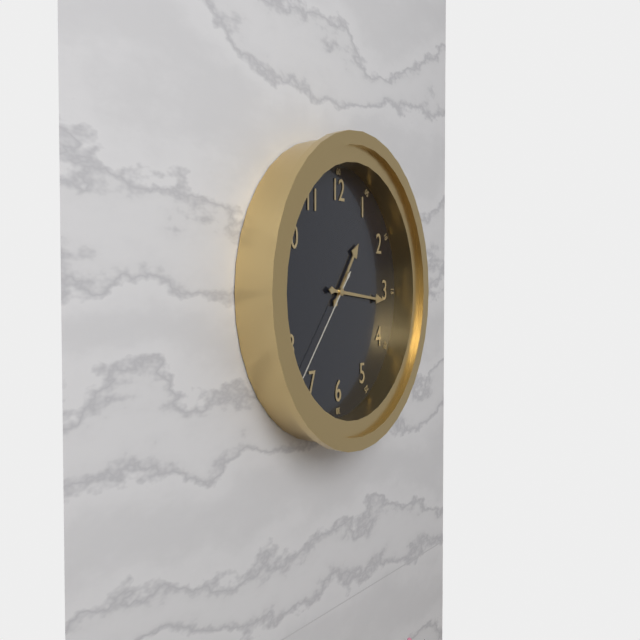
1.16.37
